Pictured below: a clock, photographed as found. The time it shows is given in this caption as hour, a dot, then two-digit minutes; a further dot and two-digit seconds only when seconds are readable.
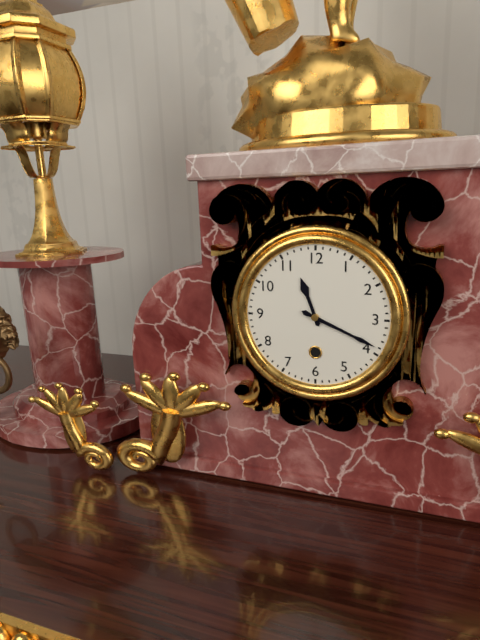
11.19
